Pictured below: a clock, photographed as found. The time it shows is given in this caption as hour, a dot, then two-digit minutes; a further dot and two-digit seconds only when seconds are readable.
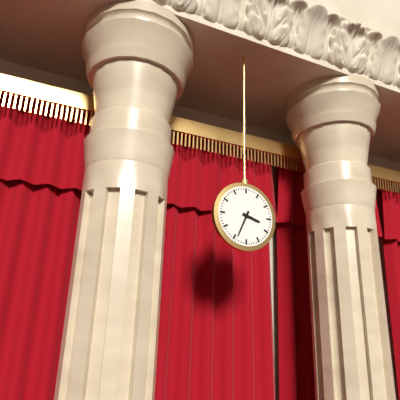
3.34
